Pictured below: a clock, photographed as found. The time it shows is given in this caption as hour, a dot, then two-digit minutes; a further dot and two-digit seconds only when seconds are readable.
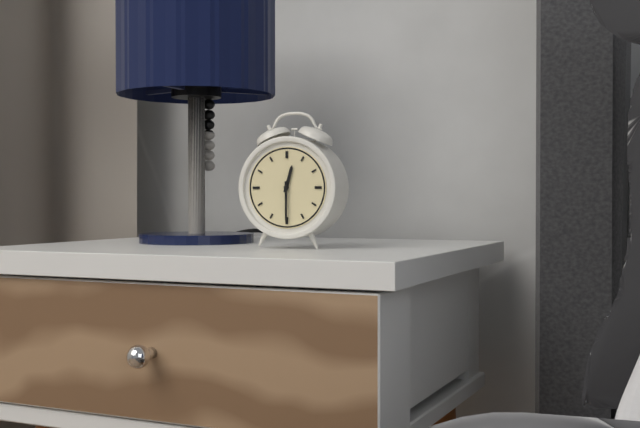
12.30
